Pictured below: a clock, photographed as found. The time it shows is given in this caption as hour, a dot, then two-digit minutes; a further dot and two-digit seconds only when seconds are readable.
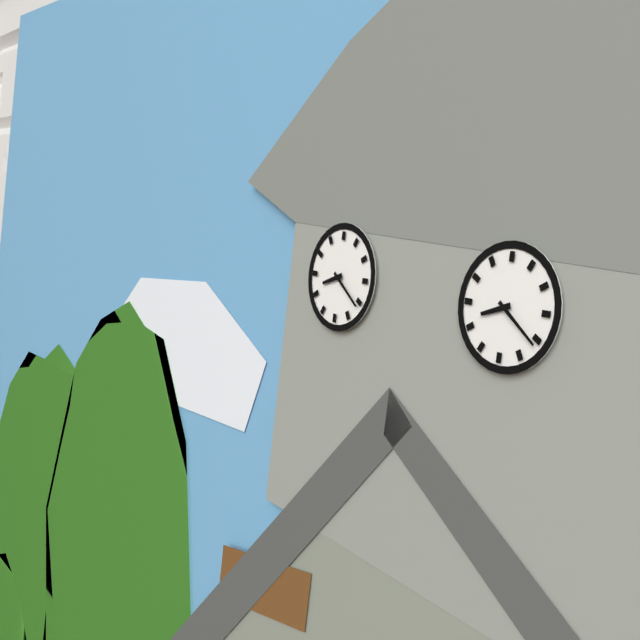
8.21
